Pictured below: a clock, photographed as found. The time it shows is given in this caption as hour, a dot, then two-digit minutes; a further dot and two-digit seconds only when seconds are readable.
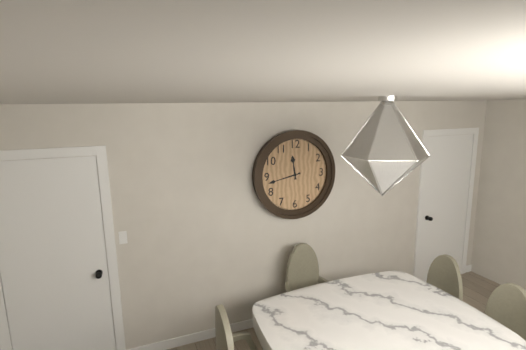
11.43
